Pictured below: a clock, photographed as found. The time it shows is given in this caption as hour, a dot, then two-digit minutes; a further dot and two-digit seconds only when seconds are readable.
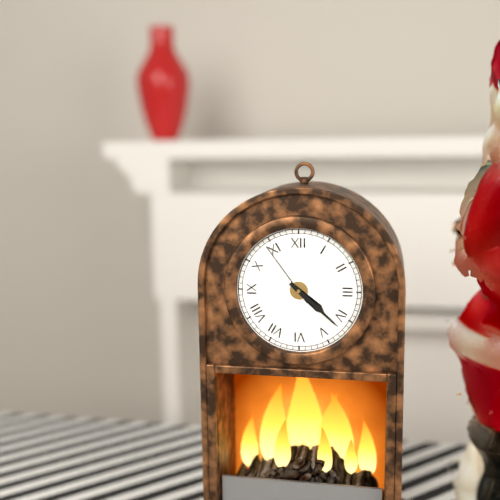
4.22.54
